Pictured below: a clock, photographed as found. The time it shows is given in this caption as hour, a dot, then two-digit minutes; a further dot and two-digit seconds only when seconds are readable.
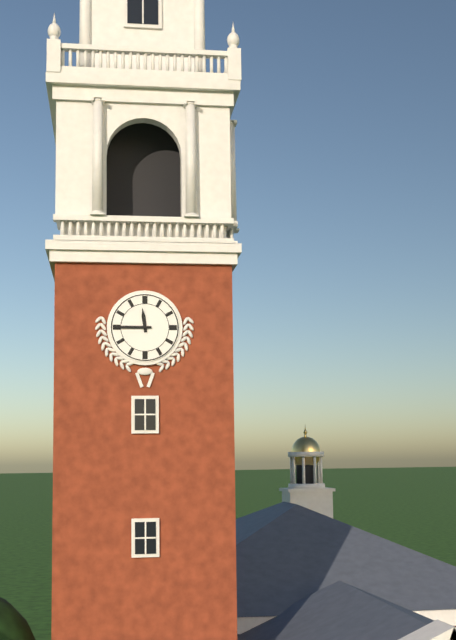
11.45
